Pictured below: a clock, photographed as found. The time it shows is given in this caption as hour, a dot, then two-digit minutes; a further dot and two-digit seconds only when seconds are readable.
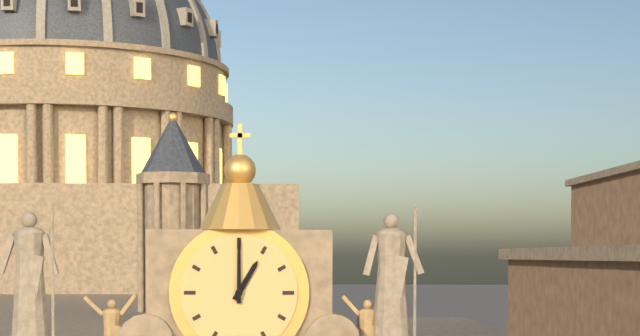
1.00
